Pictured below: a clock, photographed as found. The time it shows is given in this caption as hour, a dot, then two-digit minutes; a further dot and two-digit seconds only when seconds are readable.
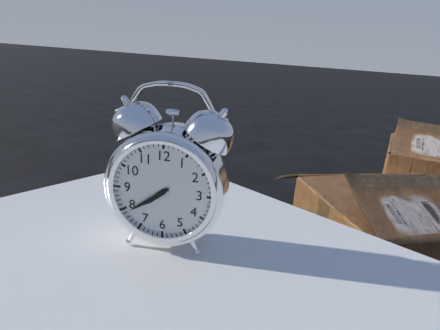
7.39
